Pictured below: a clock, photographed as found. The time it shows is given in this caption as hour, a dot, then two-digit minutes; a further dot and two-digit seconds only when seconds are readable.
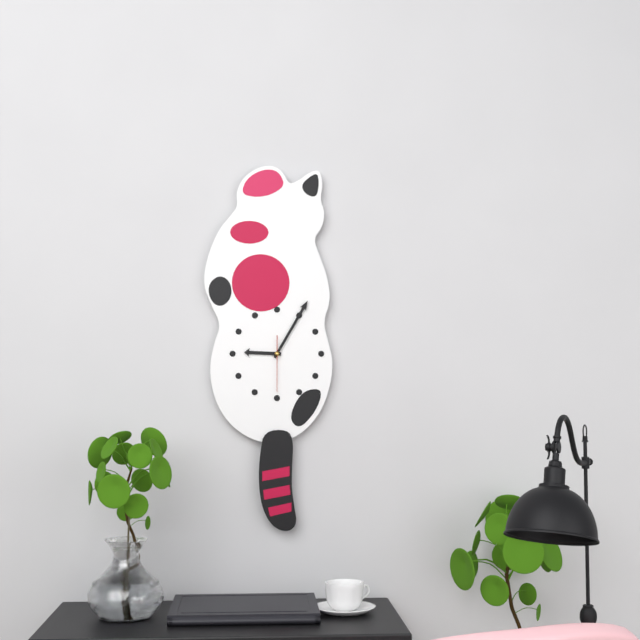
9.05
